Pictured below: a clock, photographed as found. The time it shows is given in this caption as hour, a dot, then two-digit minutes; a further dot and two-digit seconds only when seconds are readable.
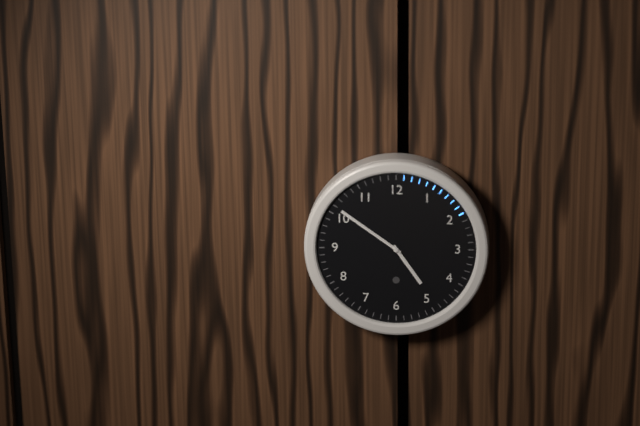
4.51
